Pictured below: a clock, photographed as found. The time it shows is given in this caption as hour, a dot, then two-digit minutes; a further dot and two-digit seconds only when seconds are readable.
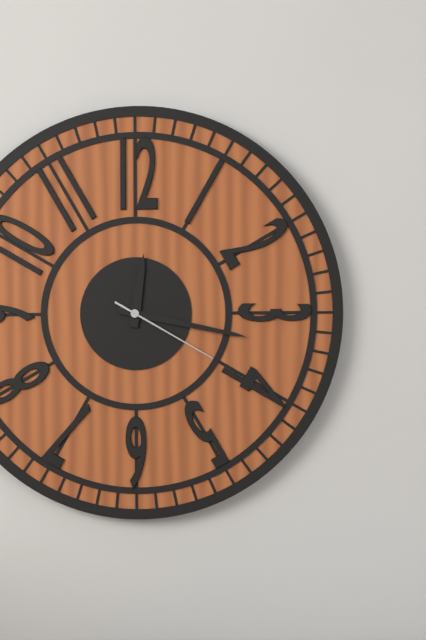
12.17.20
